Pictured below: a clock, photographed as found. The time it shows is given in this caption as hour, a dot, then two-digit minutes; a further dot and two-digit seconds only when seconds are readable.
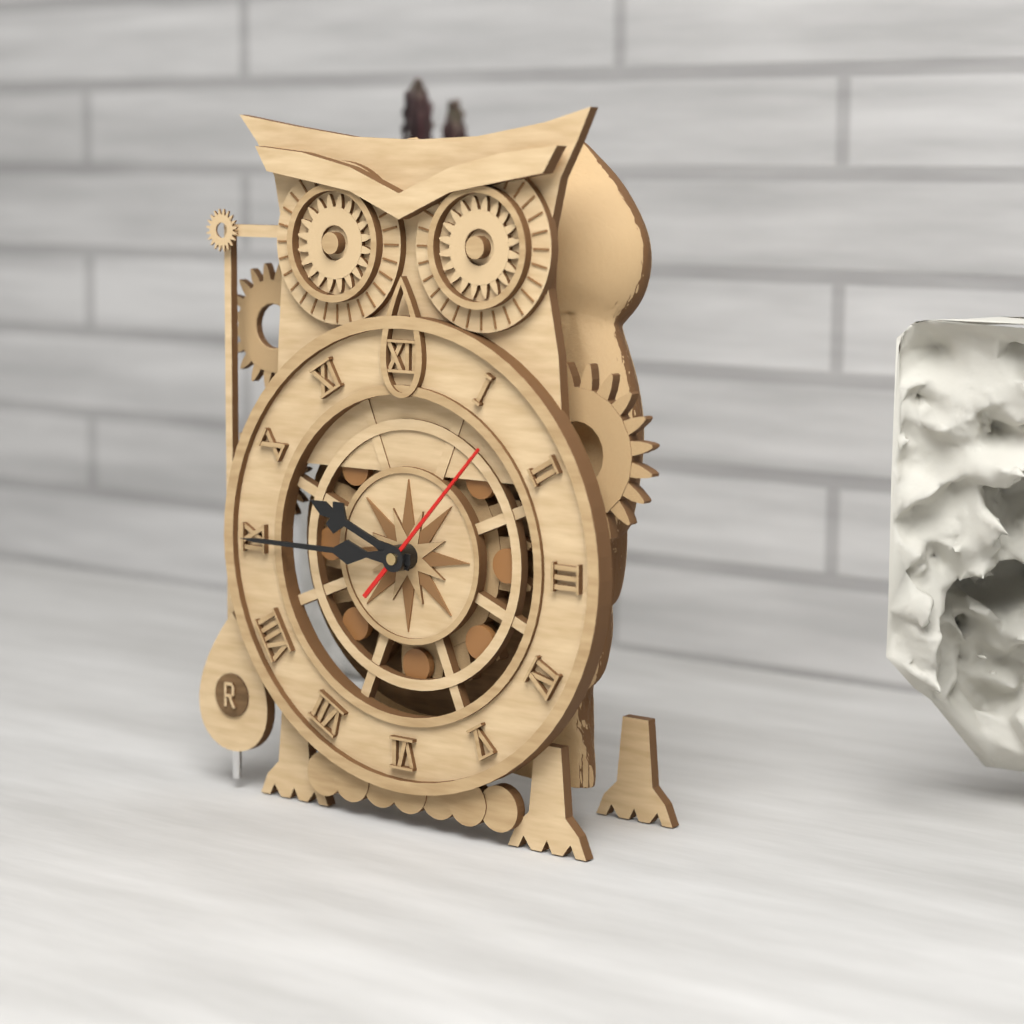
9.45.07
